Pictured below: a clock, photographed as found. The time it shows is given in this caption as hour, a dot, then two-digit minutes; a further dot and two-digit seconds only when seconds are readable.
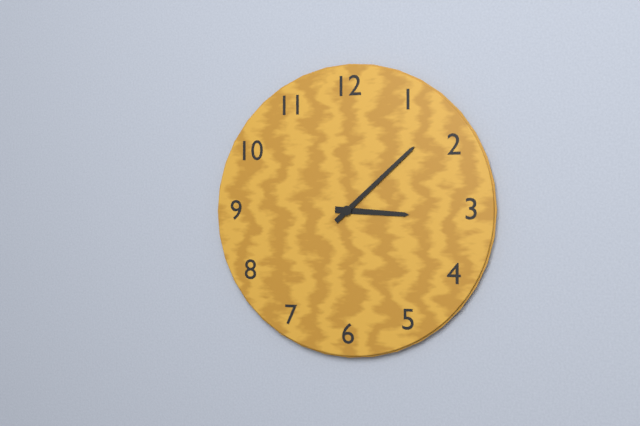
3.08
